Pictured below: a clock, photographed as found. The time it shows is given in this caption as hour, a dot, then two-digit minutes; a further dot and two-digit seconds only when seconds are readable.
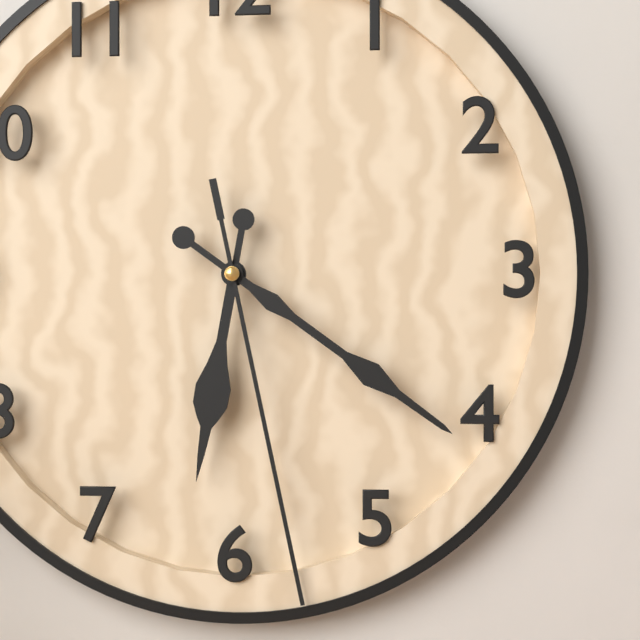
6.21.28
